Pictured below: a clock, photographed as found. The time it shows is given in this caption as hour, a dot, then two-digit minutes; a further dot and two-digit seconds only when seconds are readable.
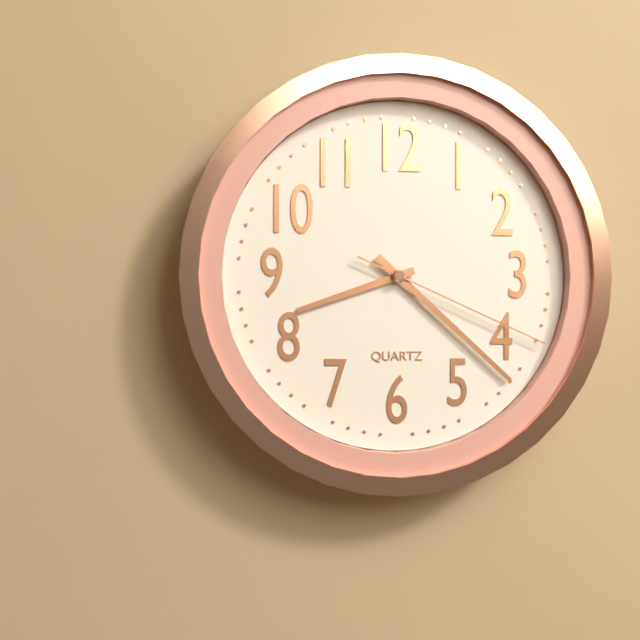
8.22.19
